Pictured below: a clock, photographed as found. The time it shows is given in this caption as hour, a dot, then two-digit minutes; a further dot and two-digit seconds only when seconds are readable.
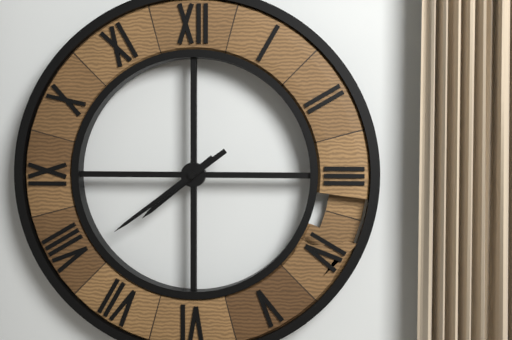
7.39
